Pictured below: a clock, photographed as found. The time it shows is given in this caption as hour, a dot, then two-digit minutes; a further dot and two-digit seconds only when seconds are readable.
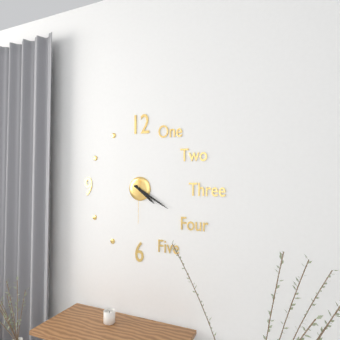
4.20
